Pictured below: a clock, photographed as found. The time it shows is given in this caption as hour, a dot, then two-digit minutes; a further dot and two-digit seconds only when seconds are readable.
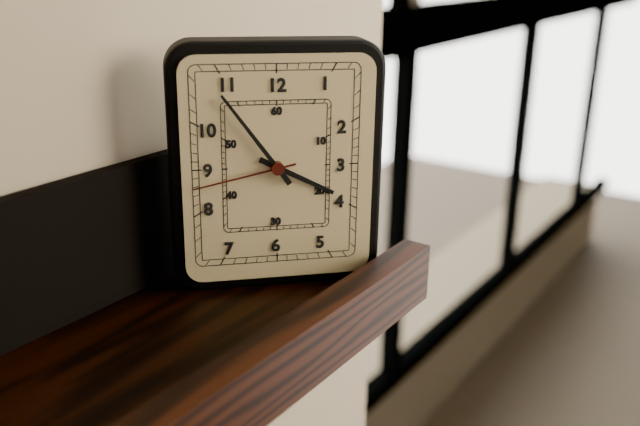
3.54.43
